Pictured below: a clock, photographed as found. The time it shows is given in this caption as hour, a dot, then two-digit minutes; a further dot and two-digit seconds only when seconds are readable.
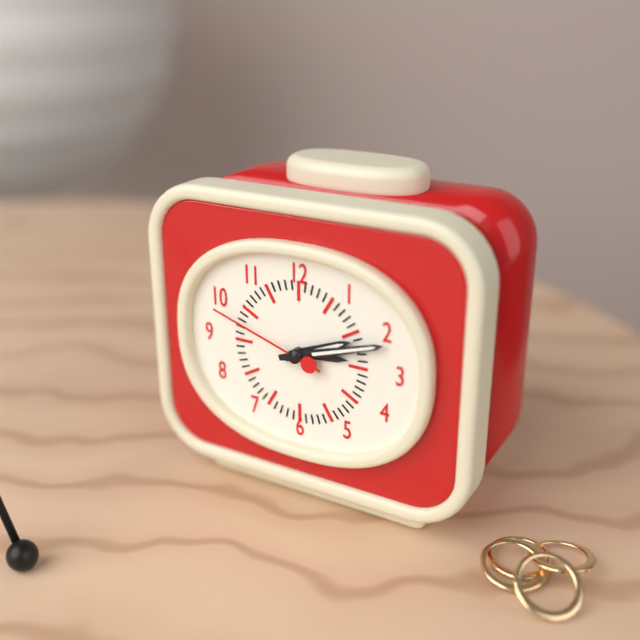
2.12.48
